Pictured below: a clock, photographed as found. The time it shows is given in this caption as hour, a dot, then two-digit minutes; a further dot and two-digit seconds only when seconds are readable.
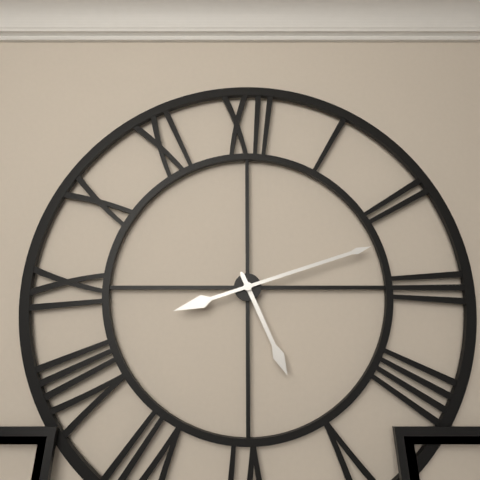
5.12
